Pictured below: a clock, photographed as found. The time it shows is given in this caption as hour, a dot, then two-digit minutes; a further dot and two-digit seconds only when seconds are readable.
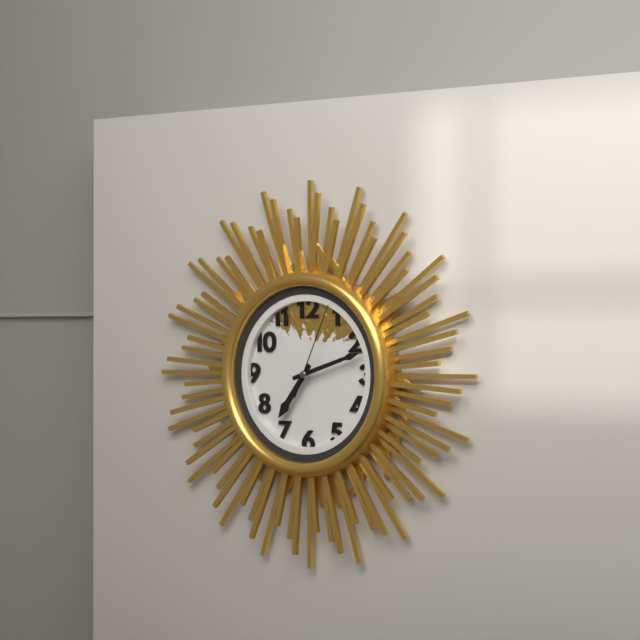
7.12.04
